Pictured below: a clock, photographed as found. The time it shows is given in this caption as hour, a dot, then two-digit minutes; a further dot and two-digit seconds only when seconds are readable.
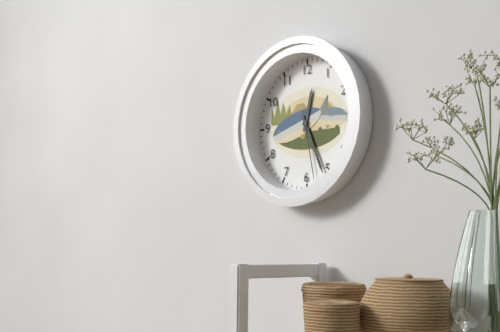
12.26.28
